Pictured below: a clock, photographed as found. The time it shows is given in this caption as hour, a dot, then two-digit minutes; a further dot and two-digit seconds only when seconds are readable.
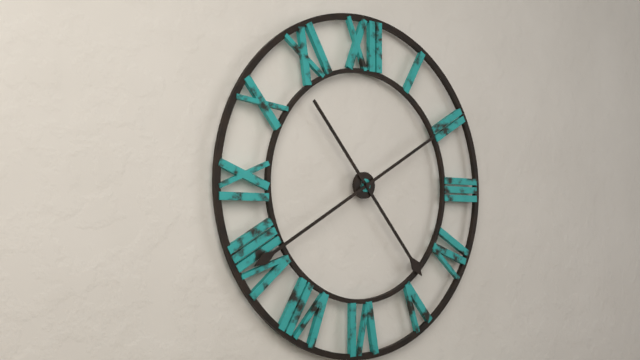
4.40
